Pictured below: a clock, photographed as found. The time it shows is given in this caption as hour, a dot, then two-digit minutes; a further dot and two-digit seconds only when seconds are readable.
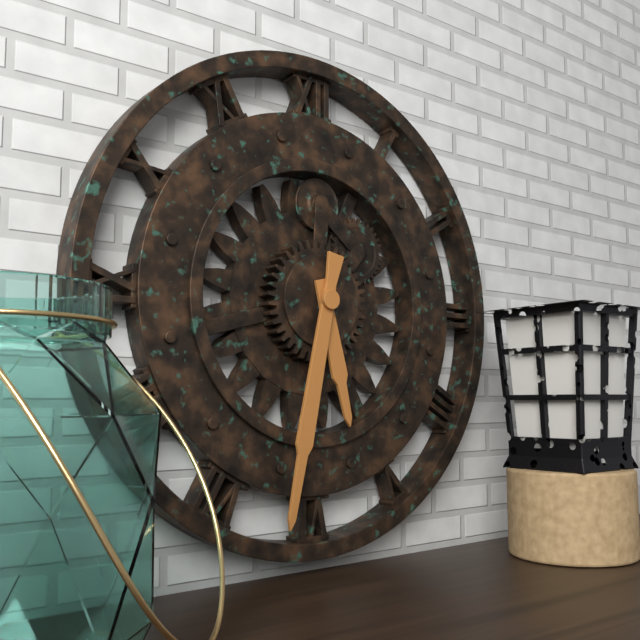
5.32
